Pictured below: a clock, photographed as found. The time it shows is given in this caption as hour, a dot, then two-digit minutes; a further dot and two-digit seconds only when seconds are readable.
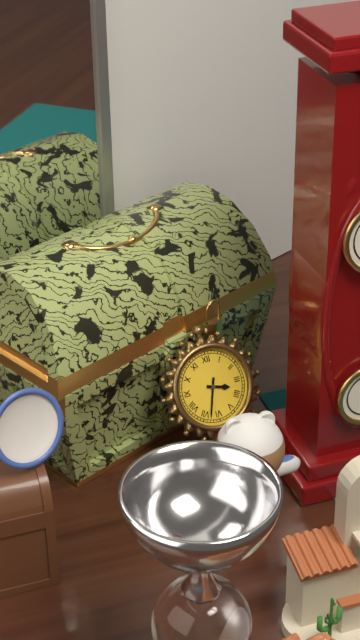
3.33
